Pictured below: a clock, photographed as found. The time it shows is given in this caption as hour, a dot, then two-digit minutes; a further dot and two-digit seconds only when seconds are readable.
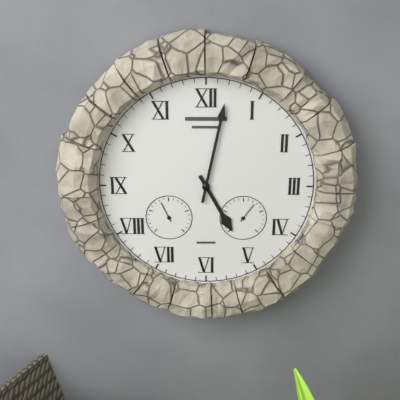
5.02
